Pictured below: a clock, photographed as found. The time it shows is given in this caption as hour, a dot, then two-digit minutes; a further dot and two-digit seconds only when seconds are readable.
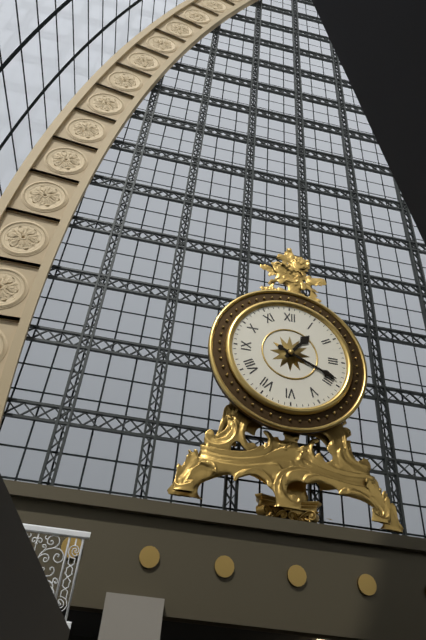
1.19
